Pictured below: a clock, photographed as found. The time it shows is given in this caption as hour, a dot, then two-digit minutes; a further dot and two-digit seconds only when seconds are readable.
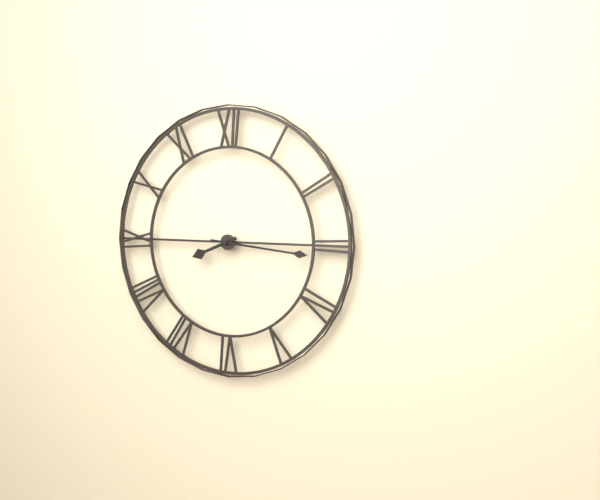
8.16
